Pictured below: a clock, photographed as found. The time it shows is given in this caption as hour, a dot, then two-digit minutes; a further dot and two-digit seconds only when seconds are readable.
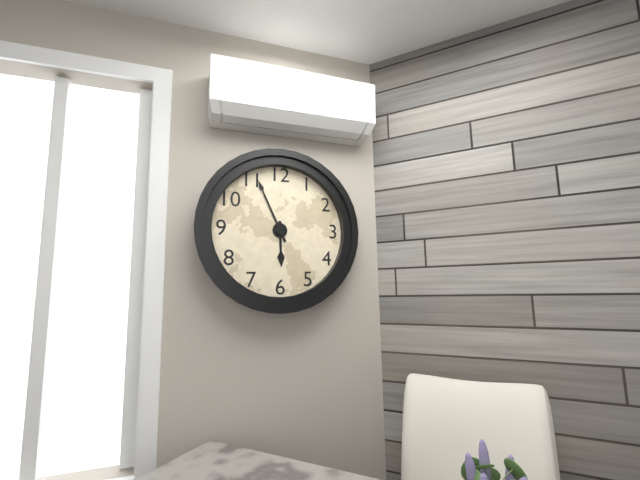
5.56
